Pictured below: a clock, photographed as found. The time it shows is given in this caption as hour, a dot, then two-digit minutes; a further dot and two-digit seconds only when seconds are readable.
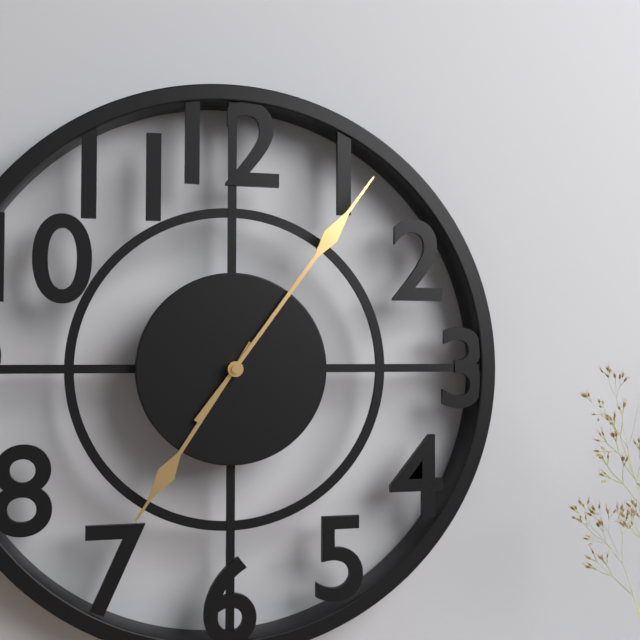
7.06
